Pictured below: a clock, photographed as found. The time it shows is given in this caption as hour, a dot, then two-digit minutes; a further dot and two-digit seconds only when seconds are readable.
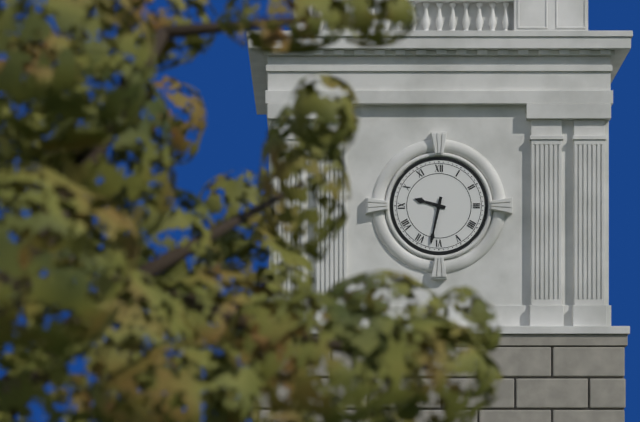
9.32
